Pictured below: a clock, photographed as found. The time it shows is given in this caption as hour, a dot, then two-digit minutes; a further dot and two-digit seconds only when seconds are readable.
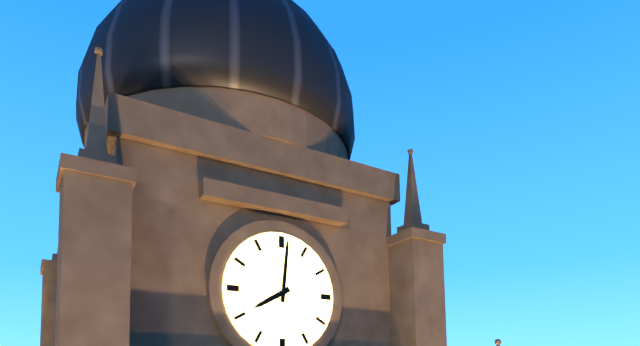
8.01
